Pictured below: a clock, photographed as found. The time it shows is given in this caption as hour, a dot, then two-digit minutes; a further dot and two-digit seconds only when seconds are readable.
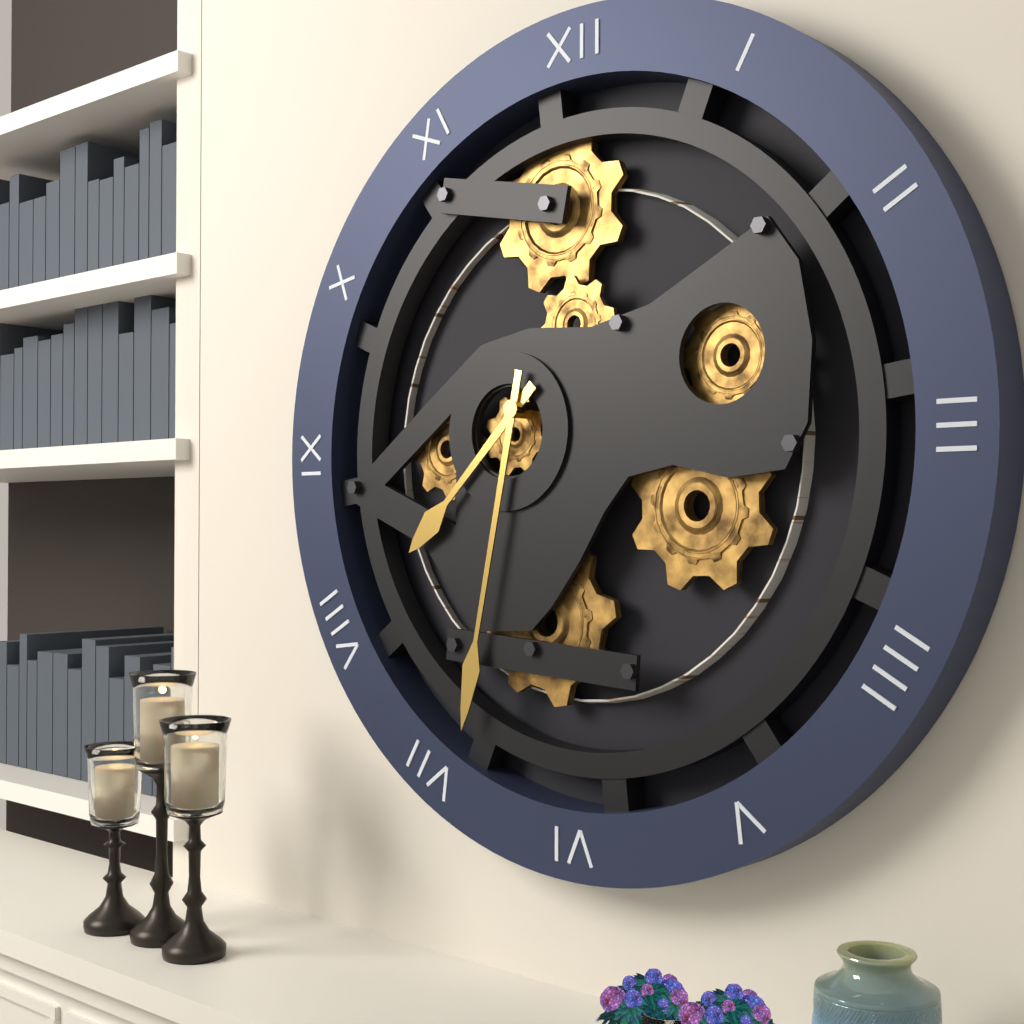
7.32
